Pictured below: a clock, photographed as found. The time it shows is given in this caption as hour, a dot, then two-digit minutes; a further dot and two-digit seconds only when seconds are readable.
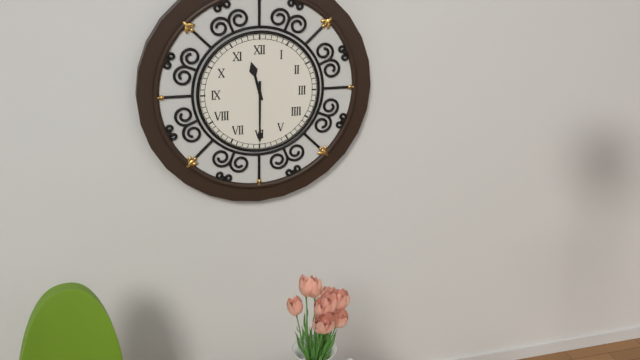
11.30
